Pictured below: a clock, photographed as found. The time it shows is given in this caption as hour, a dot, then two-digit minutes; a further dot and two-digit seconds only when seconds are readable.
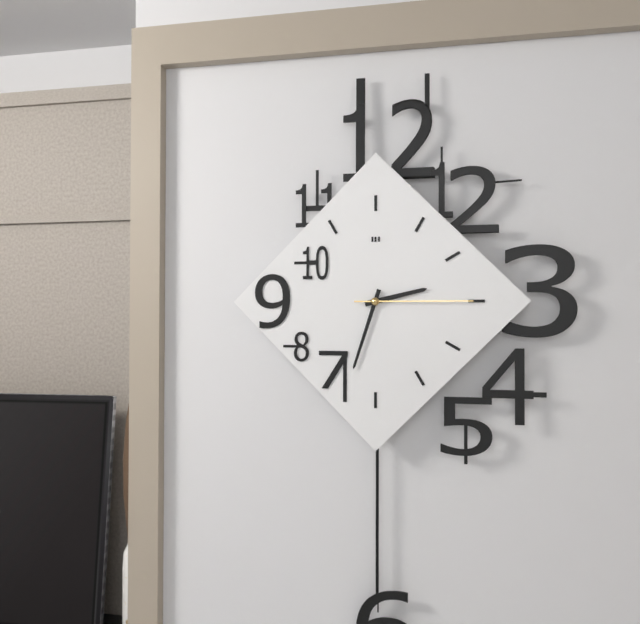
2.33.15
